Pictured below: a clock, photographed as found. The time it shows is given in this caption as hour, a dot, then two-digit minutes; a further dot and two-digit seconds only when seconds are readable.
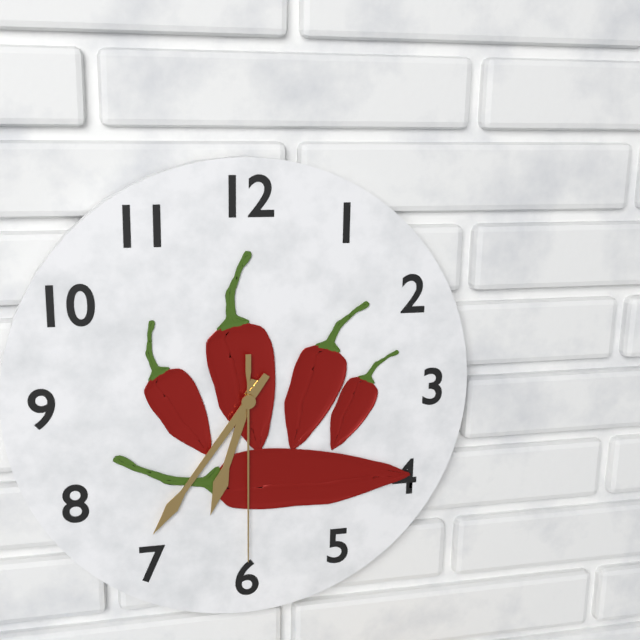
6.36.30
